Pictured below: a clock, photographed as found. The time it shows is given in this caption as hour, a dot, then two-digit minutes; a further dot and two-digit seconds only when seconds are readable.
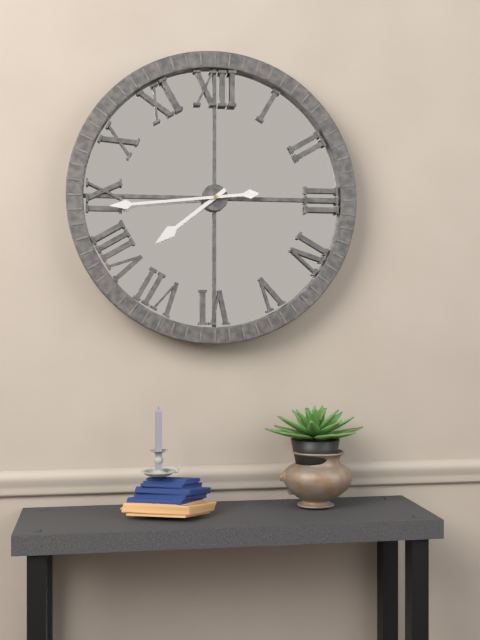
7.44
